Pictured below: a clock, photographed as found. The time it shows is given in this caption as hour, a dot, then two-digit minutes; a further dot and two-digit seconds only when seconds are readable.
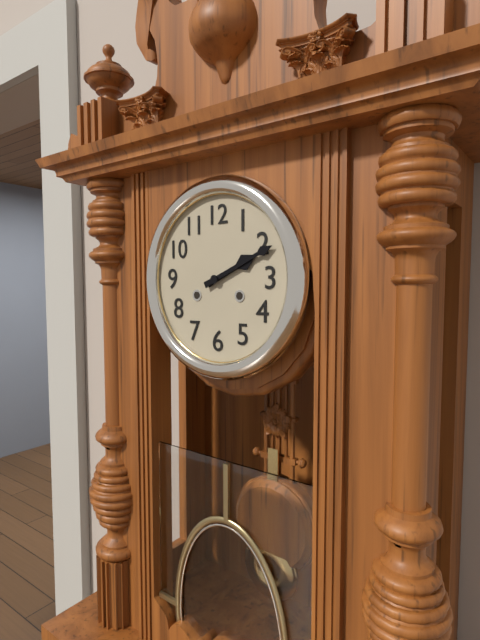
2.11
